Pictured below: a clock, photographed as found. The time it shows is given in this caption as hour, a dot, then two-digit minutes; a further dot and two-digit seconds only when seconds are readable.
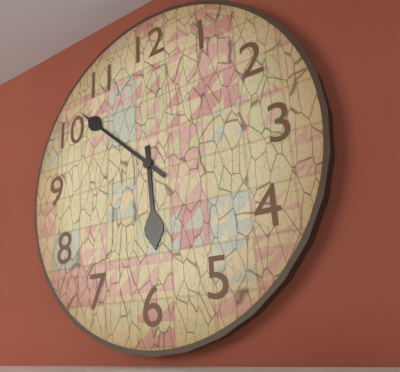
5.52
